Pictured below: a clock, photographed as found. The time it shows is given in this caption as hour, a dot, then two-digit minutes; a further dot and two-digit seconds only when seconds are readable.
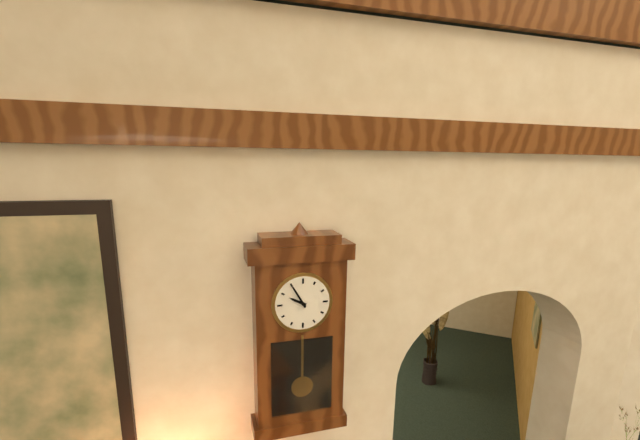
9.55
